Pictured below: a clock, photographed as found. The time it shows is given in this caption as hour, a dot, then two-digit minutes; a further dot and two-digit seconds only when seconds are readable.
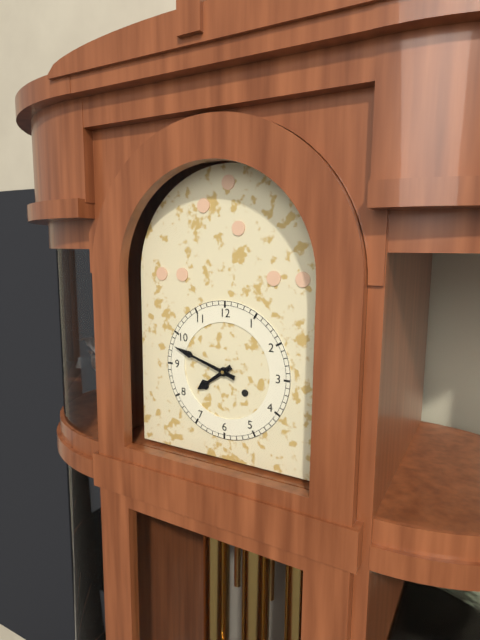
7.48
